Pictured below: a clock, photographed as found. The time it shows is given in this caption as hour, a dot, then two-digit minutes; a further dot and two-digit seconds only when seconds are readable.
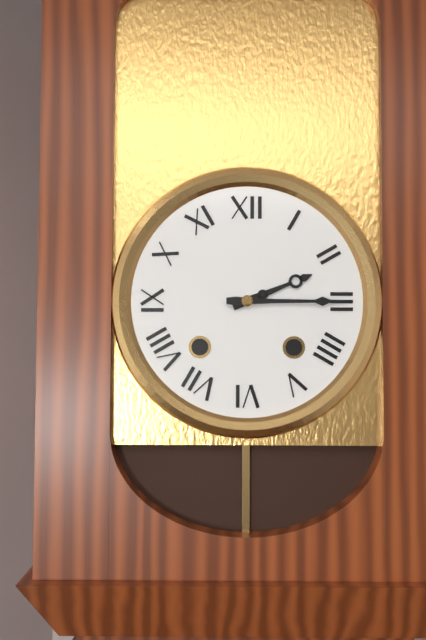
2.15
